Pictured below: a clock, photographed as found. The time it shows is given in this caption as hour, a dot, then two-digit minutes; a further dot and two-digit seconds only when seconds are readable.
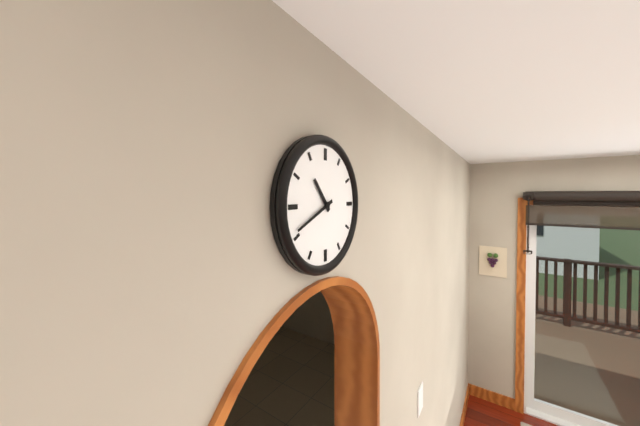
10.41
